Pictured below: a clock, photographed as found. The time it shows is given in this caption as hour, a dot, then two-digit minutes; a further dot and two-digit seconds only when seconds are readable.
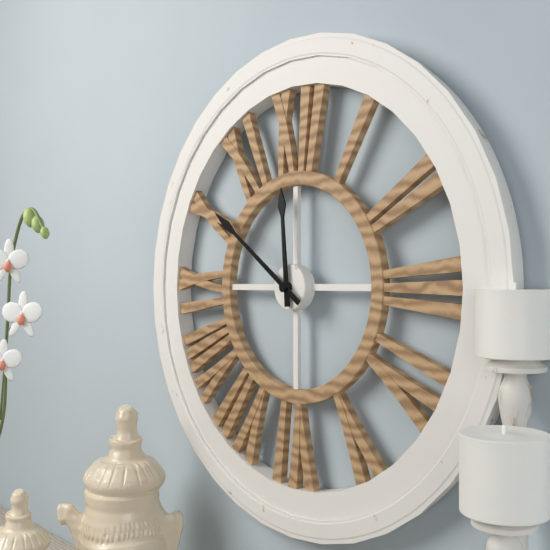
11.51
